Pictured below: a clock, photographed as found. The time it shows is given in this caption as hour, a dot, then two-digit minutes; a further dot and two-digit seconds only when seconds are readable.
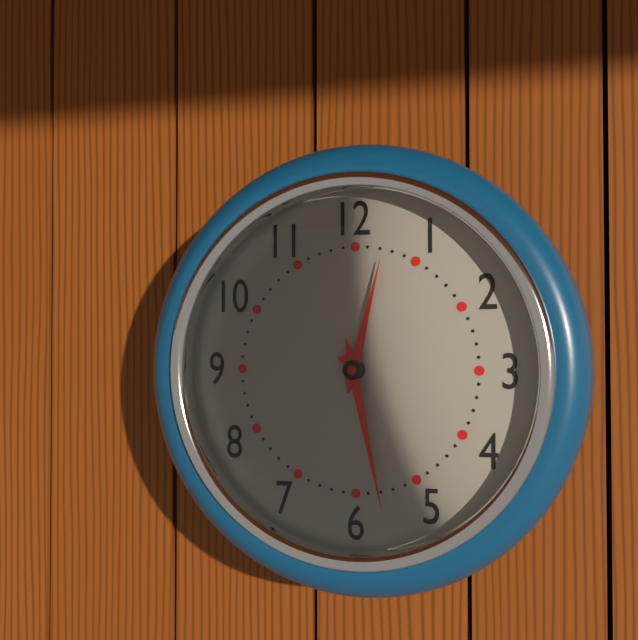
12.28
